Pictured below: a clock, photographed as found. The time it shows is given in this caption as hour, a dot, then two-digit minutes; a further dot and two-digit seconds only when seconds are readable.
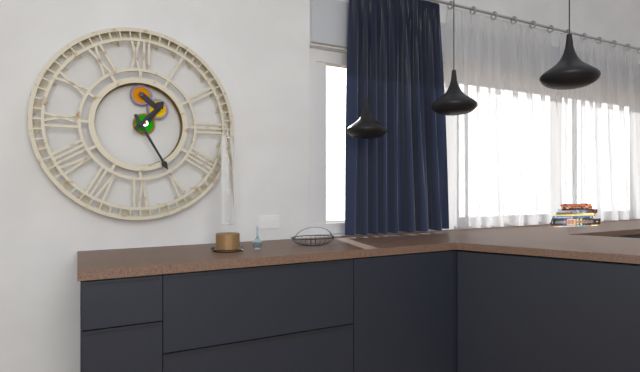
1.25
